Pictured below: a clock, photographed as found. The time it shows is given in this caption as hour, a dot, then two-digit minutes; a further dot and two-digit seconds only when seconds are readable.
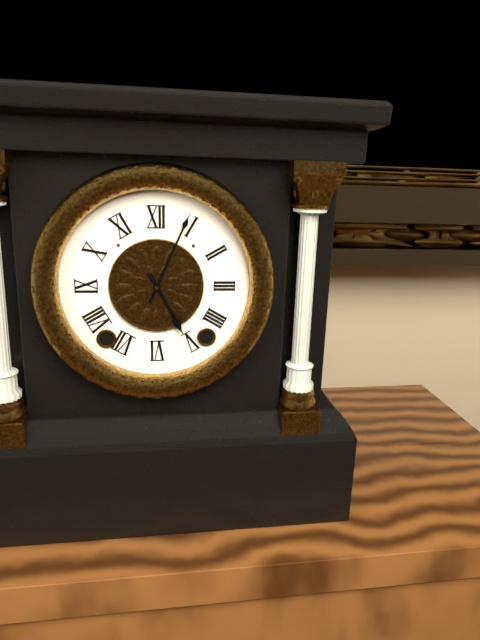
5.04
